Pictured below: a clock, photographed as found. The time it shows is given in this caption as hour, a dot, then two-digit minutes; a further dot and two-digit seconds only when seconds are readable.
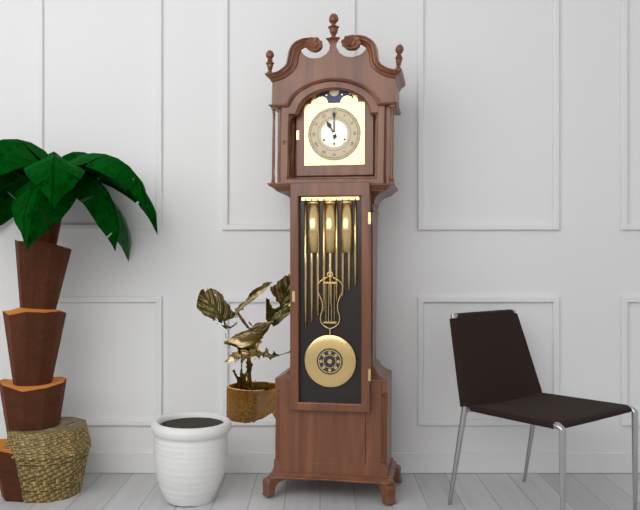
11.00
